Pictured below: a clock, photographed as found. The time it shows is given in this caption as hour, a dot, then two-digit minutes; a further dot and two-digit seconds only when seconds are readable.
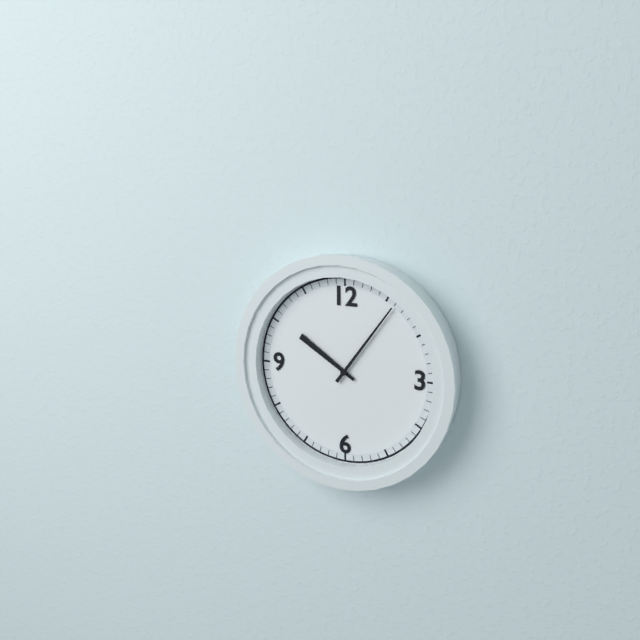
10.06
